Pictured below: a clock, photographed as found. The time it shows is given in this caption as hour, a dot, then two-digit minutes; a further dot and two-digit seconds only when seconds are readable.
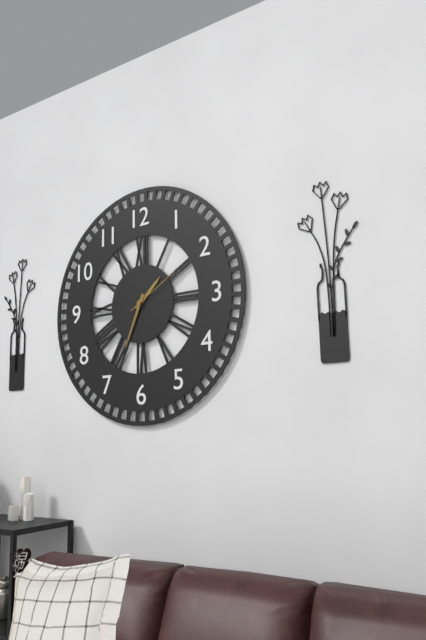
1.34.10
